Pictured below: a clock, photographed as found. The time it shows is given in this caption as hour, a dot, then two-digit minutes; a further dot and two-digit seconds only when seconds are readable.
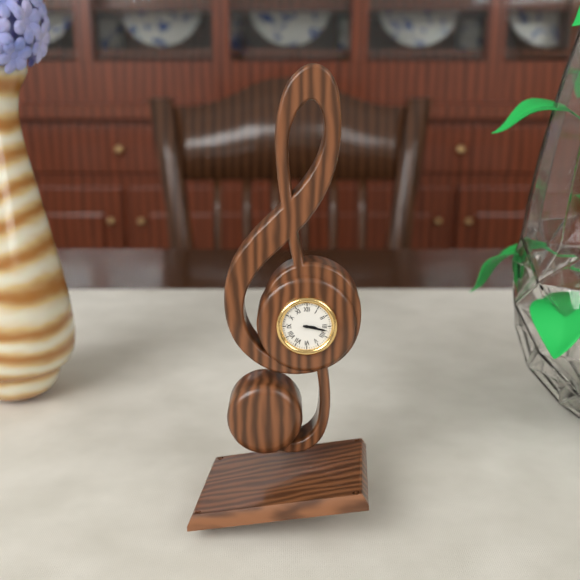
3.17
